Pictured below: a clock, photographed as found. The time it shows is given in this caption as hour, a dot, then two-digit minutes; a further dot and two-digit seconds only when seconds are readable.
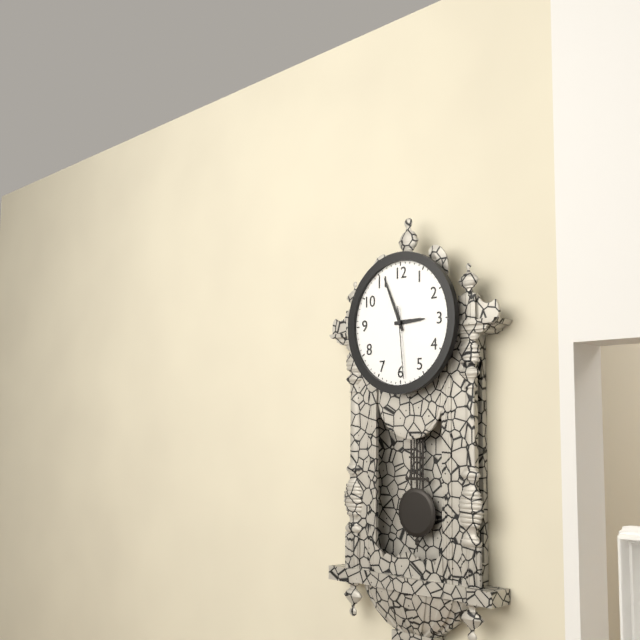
2.56.29
